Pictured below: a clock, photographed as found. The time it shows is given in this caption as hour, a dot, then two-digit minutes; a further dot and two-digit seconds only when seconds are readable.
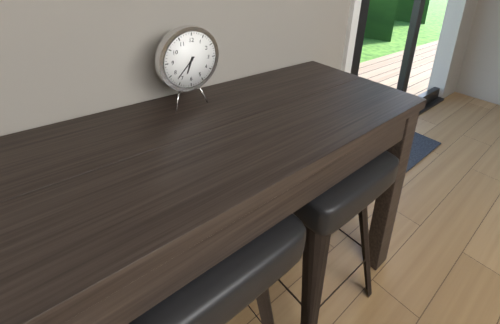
6.37
